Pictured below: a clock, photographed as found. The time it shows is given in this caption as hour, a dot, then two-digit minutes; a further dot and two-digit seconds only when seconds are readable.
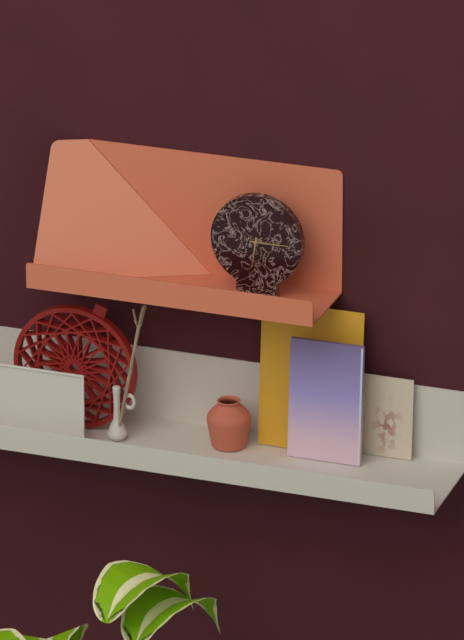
6.15
